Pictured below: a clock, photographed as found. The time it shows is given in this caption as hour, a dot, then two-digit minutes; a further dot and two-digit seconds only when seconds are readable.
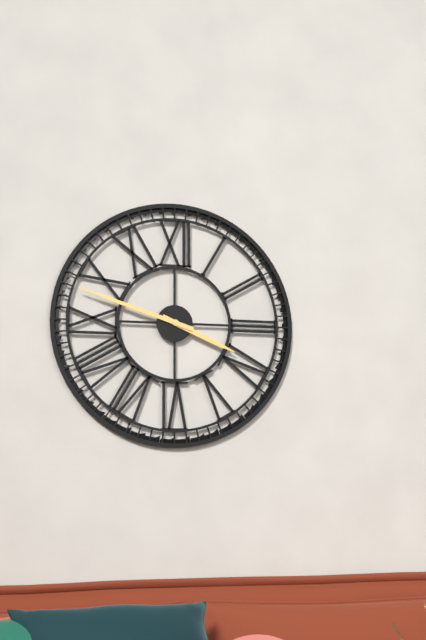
3.48
